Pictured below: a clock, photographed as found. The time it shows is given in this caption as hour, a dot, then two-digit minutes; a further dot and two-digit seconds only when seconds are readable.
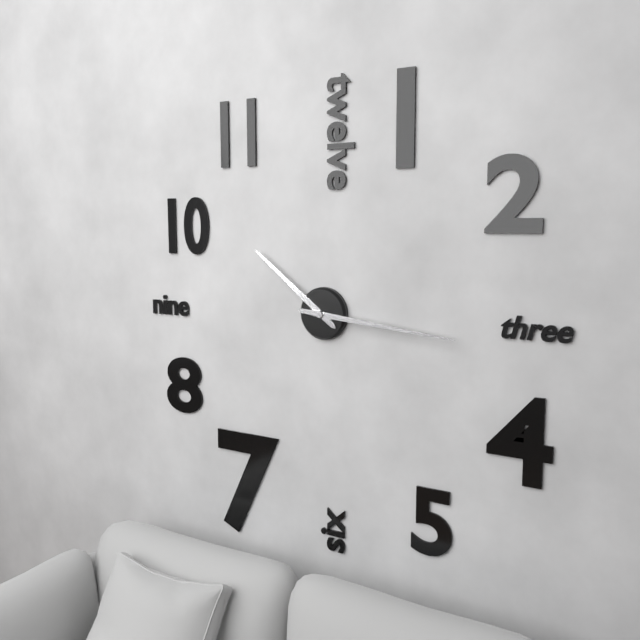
10.16
